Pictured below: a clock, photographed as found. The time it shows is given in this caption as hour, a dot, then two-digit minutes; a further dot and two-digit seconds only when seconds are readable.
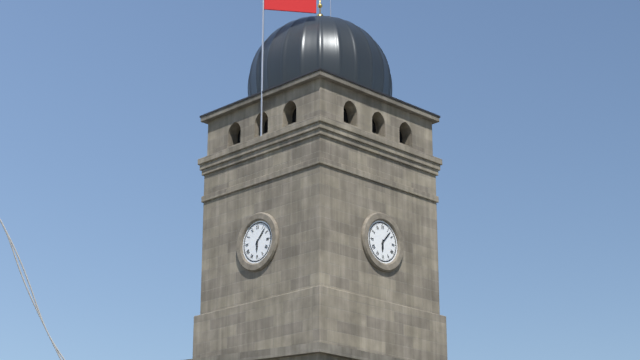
6.07
